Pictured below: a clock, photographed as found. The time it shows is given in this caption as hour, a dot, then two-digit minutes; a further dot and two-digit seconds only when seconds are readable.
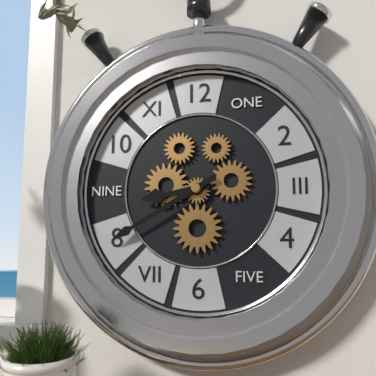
8.40
